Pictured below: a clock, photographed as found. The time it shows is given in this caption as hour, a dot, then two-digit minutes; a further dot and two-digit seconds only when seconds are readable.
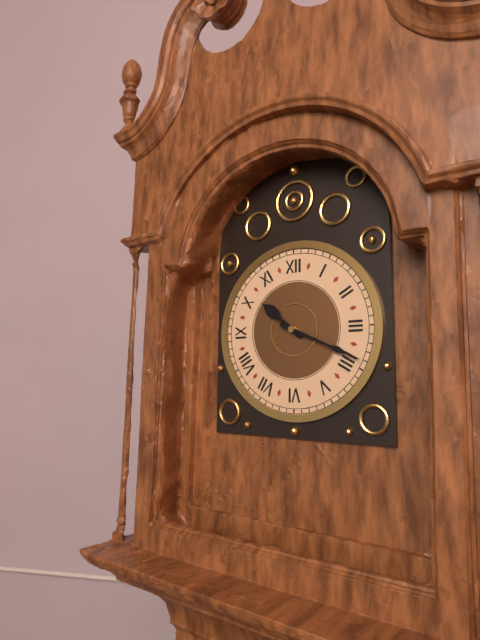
10.19
